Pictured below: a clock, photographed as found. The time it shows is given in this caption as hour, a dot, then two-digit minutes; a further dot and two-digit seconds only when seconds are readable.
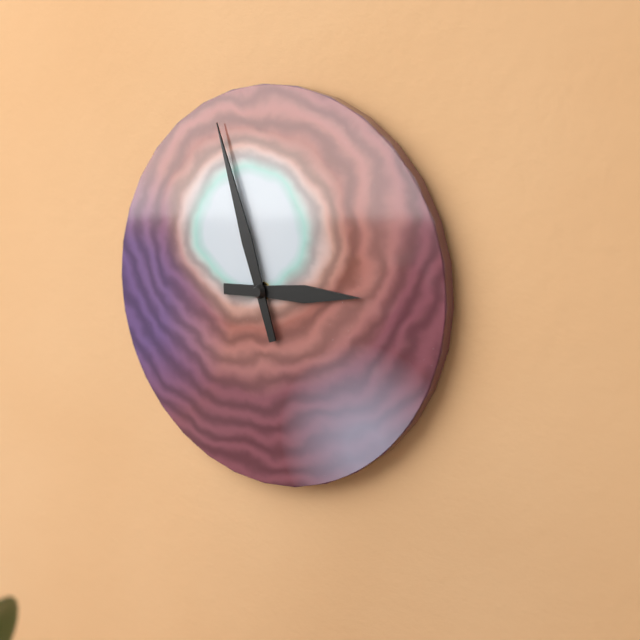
2.57
